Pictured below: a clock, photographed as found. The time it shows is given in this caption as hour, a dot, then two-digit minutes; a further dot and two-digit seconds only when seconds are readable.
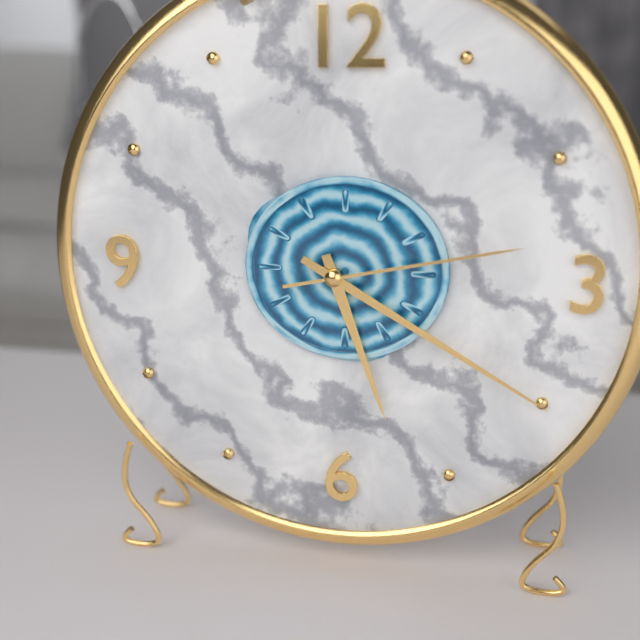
5.20.13
